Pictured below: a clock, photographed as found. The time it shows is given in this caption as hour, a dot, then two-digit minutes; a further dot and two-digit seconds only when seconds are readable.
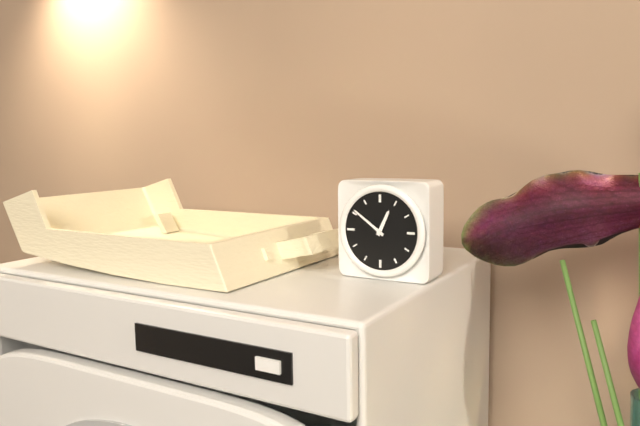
12.51
